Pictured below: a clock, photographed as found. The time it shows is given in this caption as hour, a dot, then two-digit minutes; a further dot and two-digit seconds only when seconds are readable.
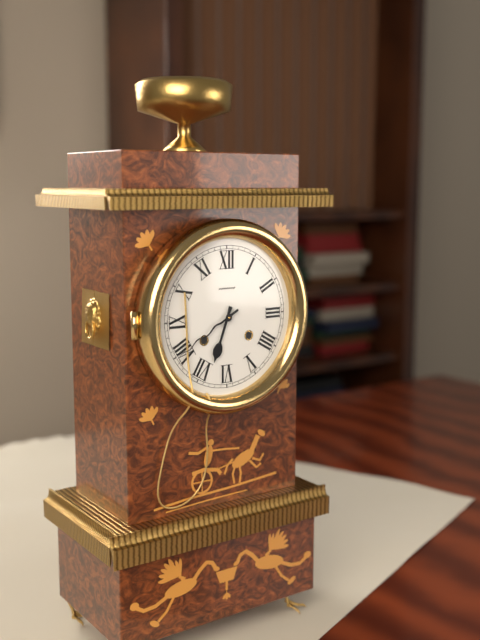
6.40
